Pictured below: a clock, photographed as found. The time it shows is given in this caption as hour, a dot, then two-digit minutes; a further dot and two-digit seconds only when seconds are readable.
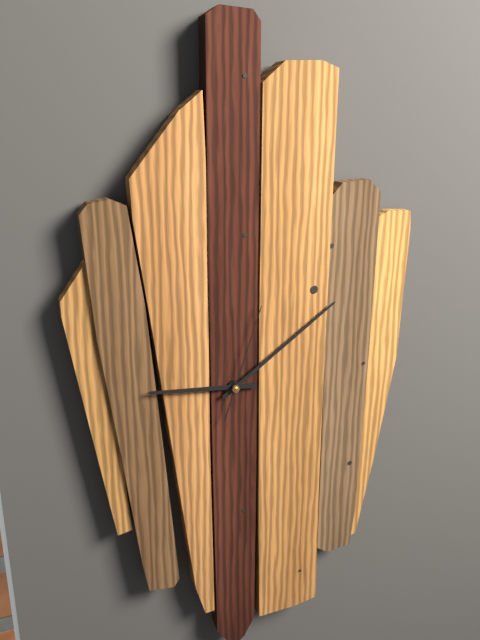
9.09.03
